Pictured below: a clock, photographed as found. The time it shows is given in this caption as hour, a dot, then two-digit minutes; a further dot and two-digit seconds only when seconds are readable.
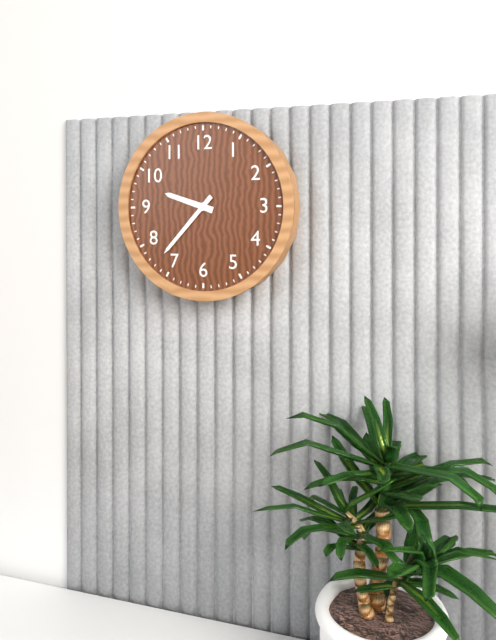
9.37
